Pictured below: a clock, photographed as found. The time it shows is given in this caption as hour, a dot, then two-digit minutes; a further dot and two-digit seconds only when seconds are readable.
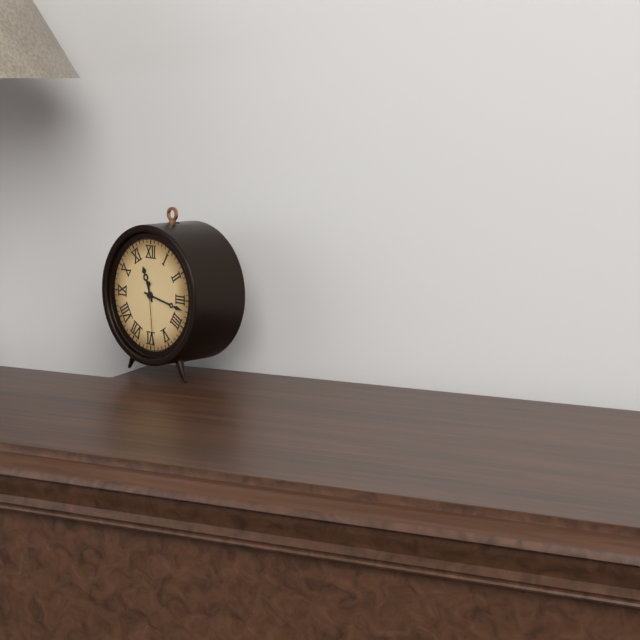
11.17.29
